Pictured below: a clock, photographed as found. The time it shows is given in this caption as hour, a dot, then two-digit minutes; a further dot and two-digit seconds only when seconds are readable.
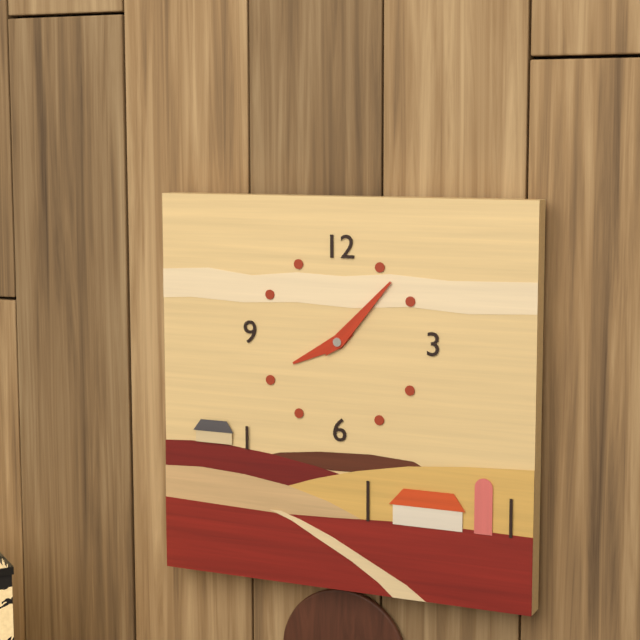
8.07
